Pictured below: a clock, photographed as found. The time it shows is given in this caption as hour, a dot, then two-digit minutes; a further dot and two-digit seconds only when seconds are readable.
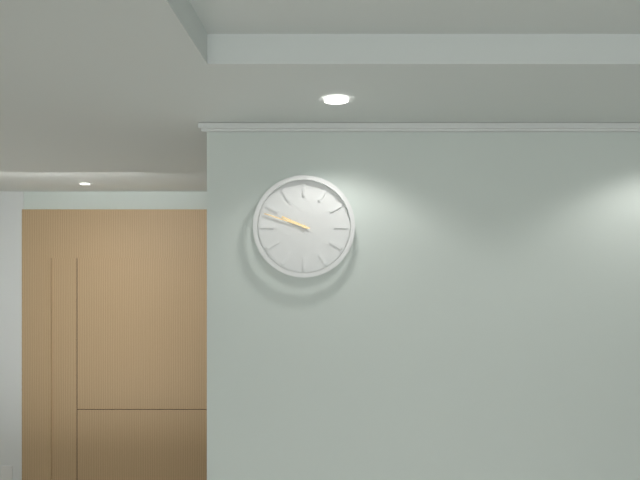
9.48
